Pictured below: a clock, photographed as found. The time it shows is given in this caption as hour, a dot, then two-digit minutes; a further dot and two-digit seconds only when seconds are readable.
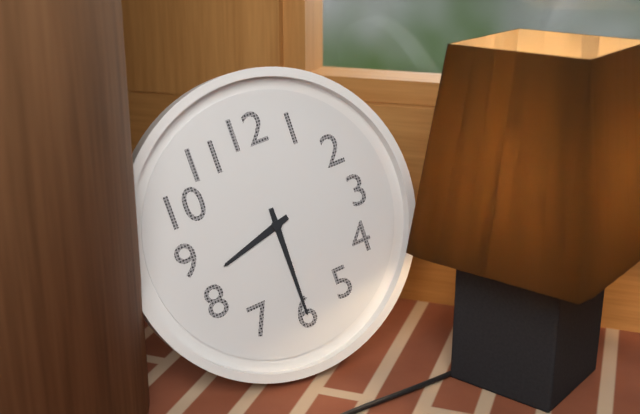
8.30
